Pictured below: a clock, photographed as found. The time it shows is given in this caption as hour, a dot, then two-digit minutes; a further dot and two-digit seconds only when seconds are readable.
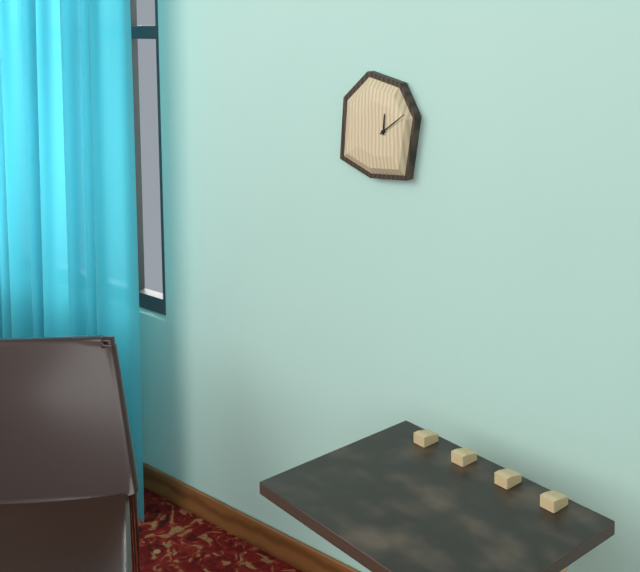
12.09
